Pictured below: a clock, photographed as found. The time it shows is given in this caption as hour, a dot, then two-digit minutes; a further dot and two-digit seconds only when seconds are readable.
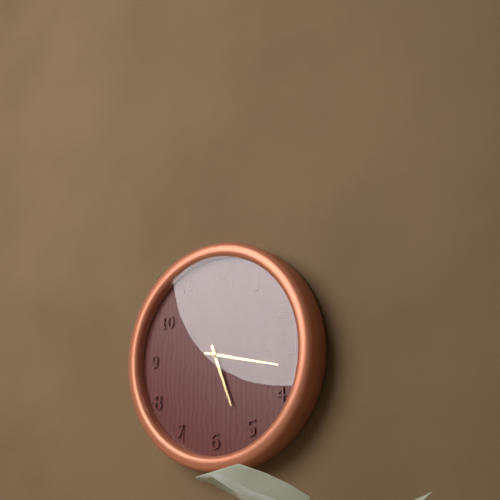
5.17
